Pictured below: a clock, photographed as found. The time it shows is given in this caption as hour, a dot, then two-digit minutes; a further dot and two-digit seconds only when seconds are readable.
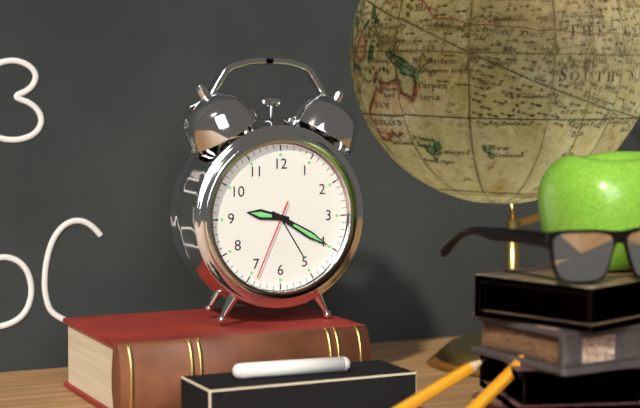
9.20.34
